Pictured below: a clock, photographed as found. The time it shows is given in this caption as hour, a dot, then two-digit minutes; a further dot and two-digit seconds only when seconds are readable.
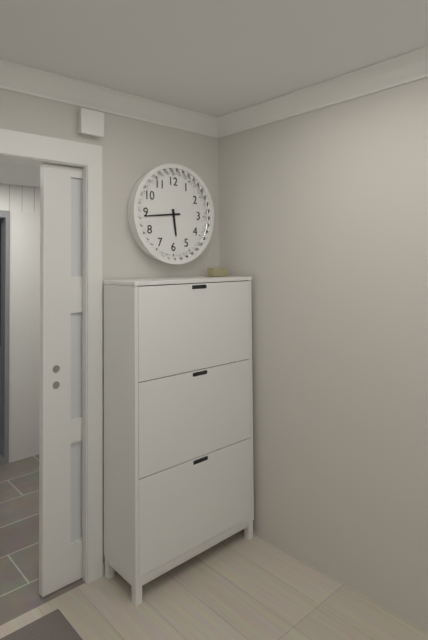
5.44
